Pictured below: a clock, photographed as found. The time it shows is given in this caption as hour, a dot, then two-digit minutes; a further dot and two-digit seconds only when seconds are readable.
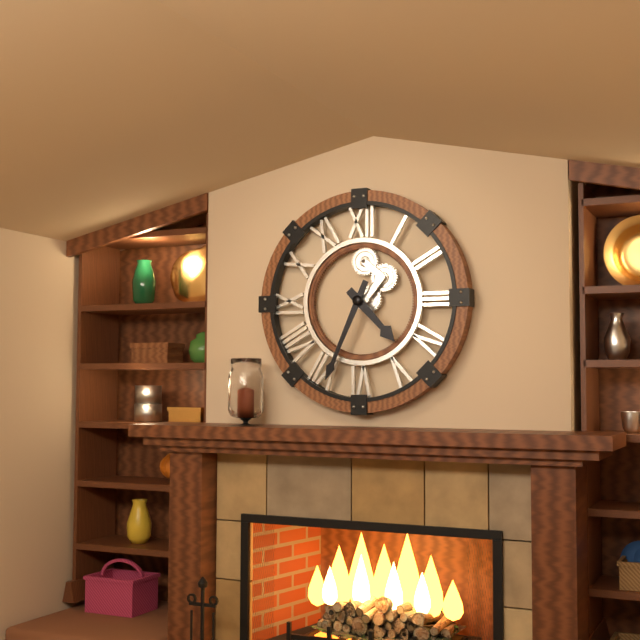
4.34
